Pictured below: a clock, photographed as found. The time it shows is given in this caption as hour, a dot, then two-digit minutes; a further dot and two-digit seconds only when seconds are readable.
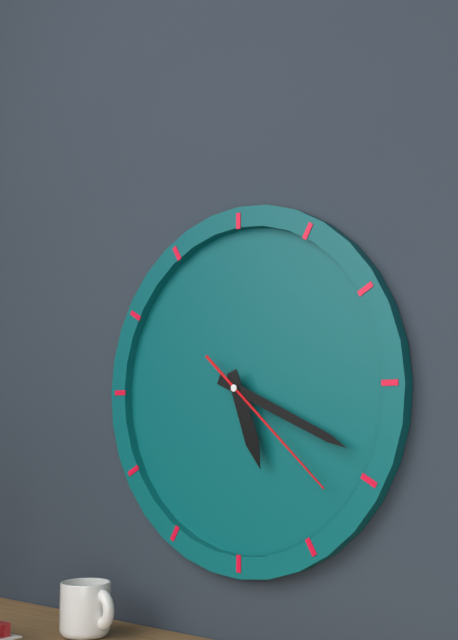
5.19.22
